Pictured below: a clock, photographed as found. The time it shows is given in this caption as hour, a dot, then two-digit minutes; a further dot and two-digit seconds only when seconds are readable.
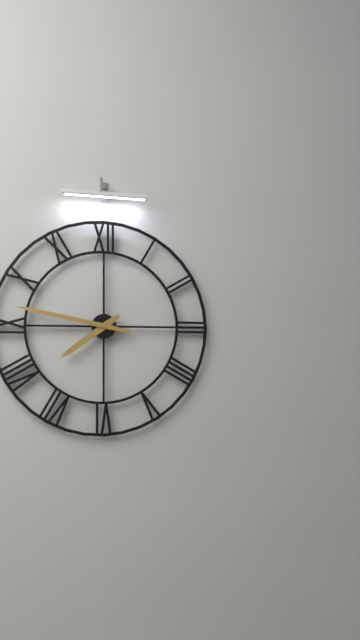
7.47
